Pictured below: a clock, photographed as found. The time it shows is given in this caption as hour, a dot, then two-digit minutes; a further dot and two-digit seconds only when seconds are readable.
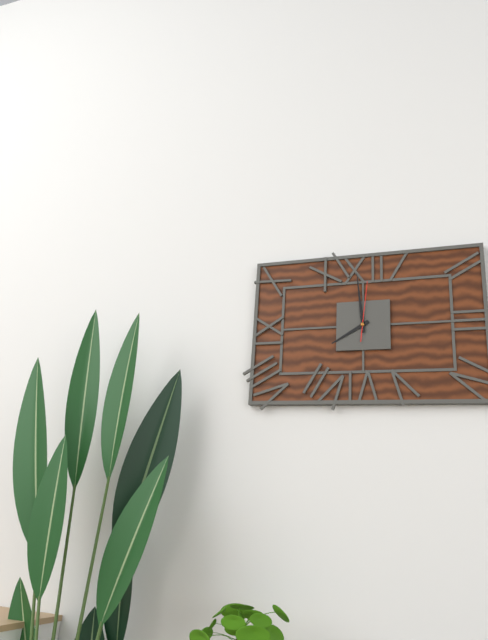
7.59.01
